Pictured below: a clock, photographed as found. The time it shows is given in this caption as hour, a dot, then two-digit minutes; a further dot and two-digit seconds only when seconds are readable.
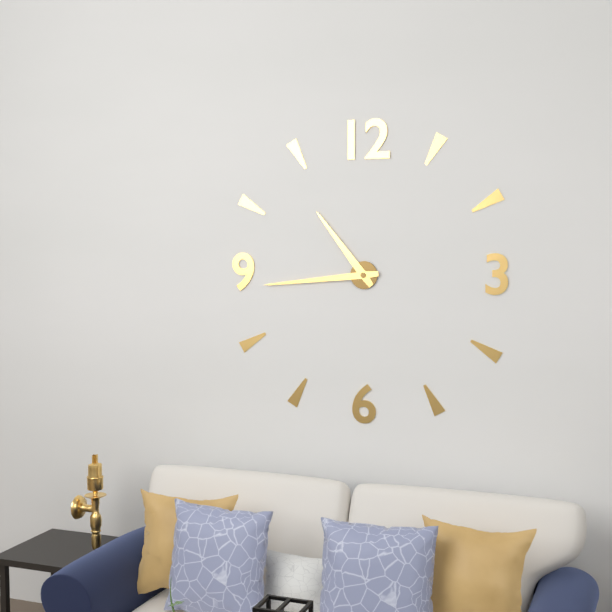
10.44
